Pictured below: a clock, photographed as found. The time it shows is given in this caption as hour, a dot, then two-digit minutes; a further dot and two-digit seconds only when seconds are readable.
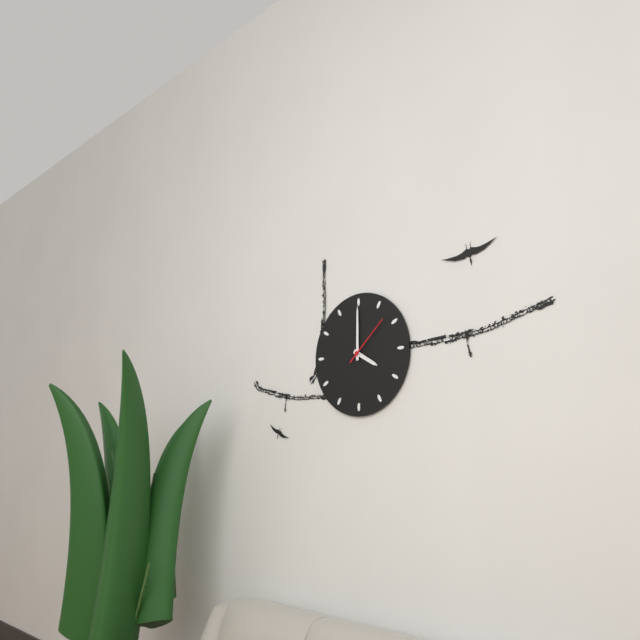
4.00.08
